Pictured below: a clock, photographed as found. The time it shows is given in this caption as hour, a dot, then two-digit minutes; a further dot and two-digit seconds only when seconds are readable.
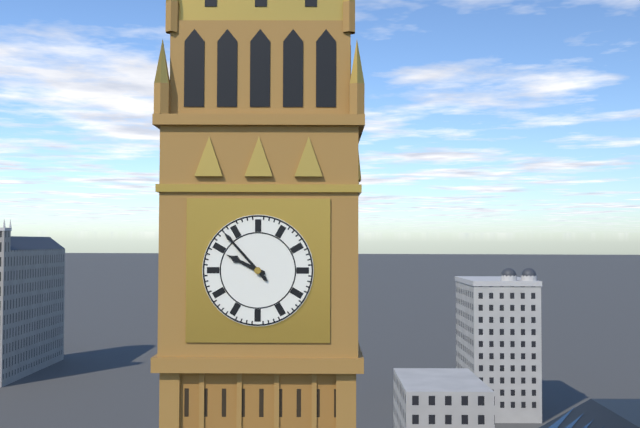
9.53
